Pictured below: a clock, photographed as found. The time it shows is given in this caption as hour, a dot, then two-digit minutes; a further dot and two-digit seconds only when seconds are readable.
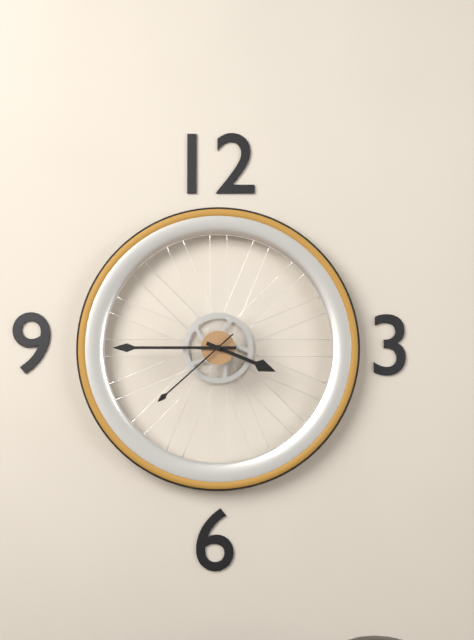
3.45.38
